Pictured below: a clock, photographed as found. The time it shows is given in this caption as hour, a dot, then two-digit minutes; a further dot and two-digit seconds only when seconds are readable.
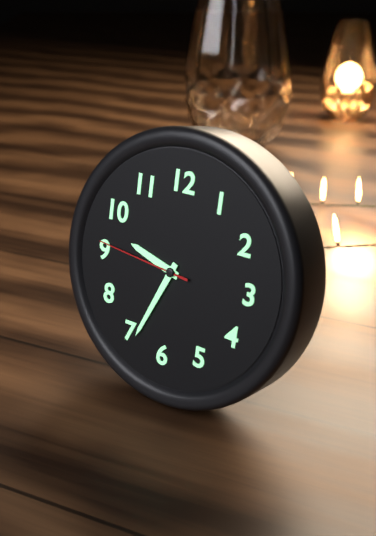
9.34.46
